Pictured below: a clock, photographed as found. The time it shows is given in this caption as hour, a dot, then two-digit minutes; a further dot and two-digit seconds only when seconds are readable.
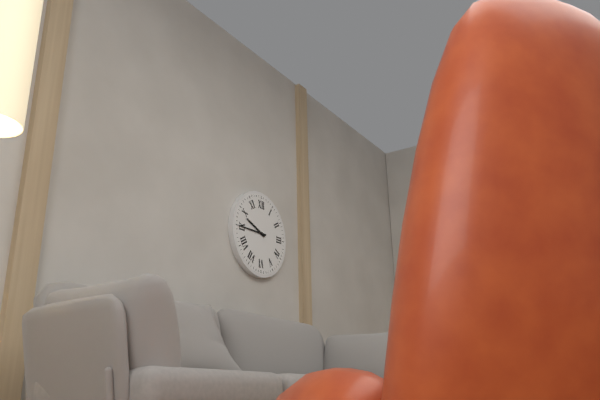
9.45
